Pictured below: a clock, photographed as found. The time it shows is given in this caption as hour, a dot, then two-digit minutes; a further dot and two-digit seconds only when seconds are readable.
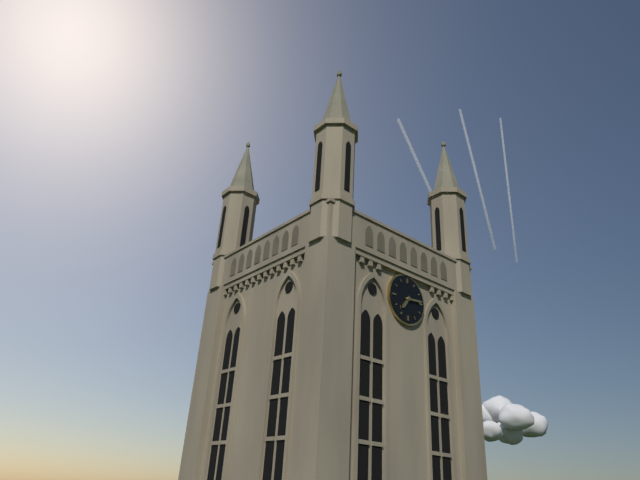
7.14
